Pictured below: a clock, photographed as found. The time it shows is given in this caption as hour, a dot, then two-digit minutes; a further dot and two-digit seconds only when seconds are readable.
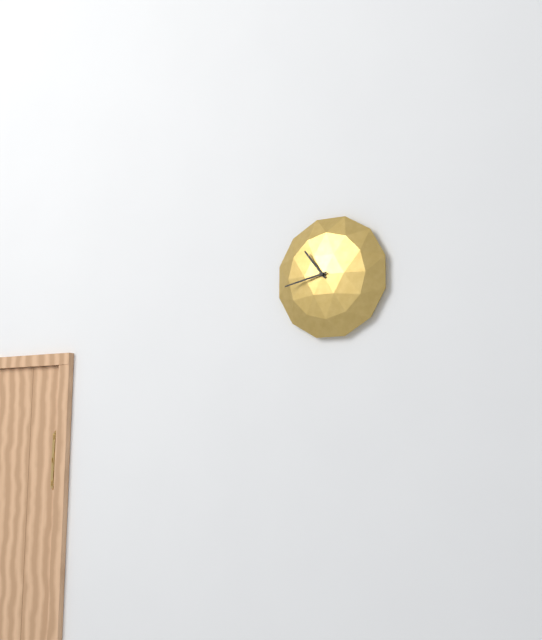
10.43
